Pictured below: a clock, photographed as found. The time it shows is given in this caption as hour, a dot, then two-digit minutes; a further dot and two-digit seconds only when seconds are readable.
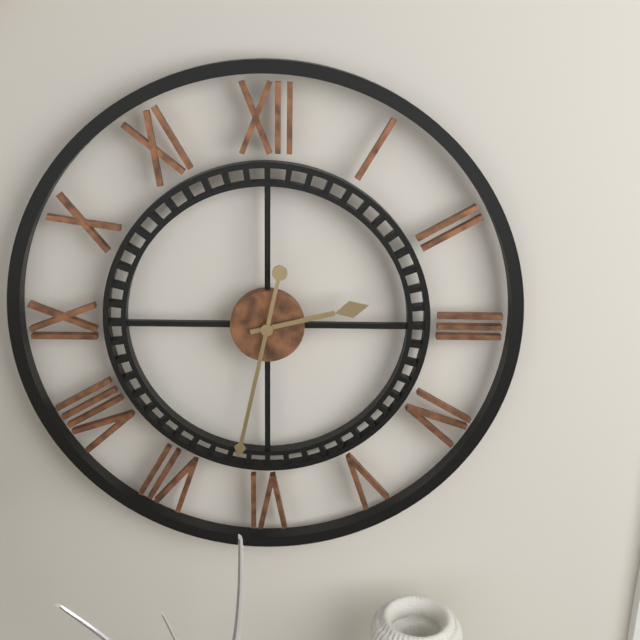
2.32
